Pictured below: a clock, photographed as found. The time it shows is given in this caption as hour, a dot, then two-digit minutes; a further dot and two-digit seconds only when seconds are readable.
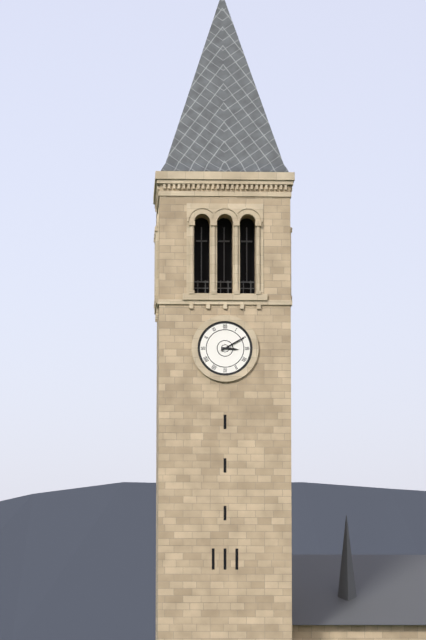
3.10
